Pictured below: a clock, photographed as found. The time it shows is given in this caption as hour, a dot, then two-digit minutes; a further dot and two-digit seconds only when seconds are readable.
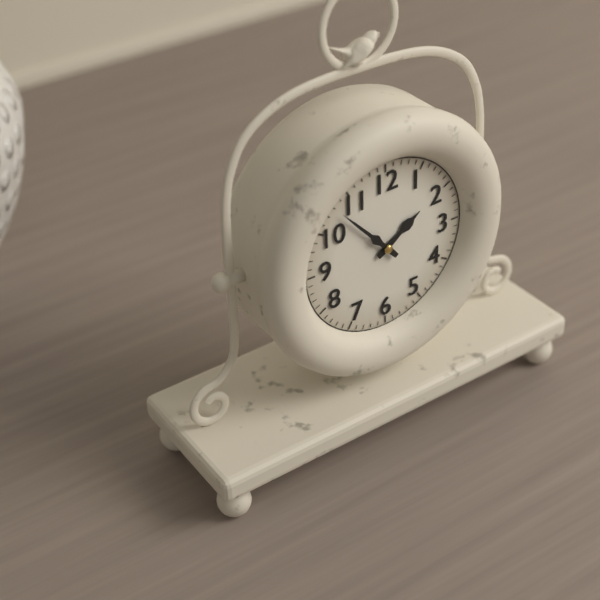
1.53
